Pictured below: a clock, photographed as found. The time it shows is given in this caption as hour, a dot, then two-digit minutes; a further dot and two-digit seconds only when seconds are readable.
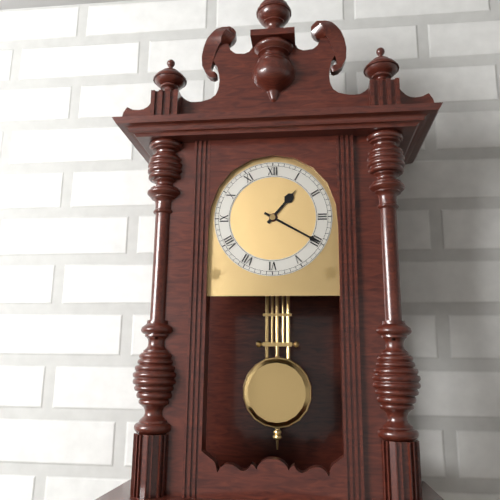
1.20
